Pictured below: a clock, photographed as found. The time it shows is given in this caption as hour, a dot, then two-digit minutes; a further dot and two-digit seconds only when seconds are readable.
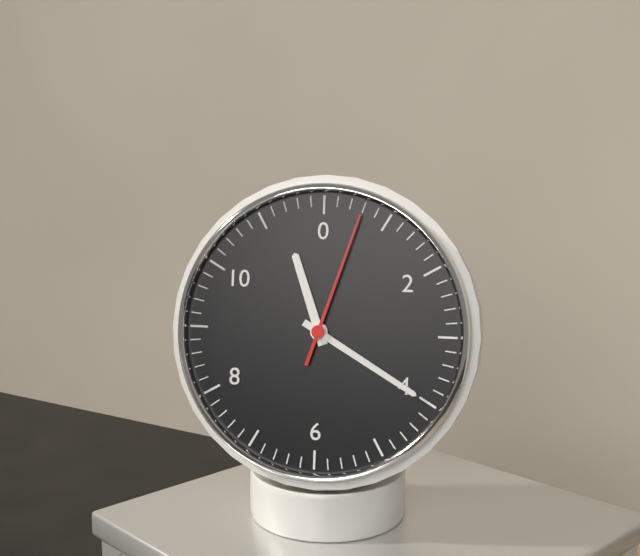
11.20.03
